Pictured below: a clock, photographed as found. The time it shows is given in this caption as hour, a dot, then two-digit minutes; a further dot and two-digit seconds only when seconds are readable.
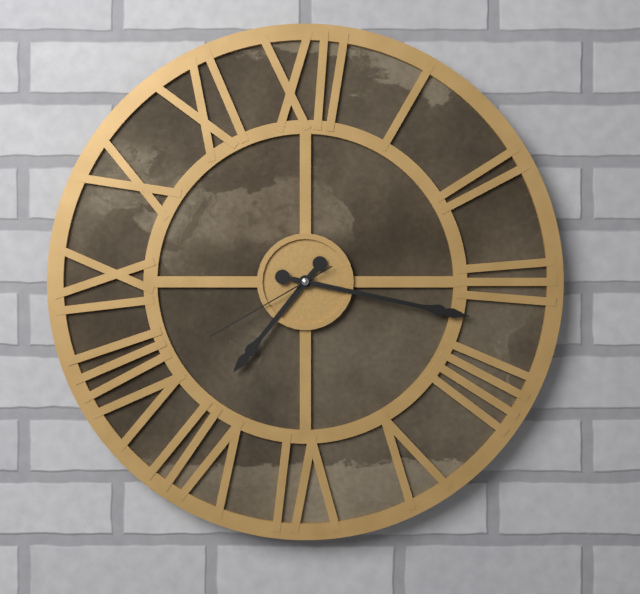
7.17.40
